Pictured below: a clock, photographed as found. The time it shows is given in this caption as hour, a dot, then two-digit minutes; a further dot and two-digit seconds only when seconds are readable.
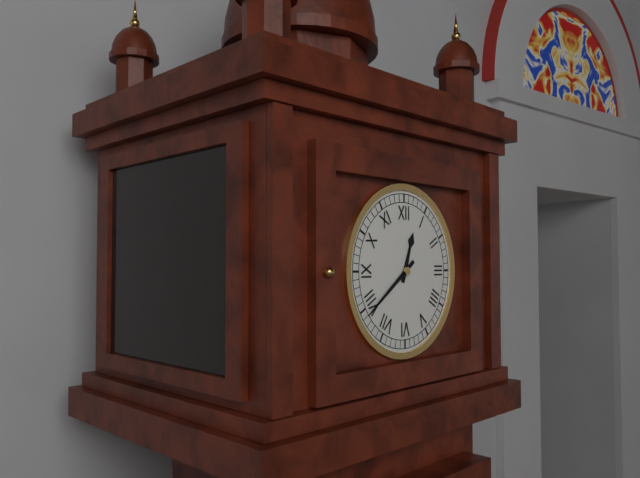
12.39
